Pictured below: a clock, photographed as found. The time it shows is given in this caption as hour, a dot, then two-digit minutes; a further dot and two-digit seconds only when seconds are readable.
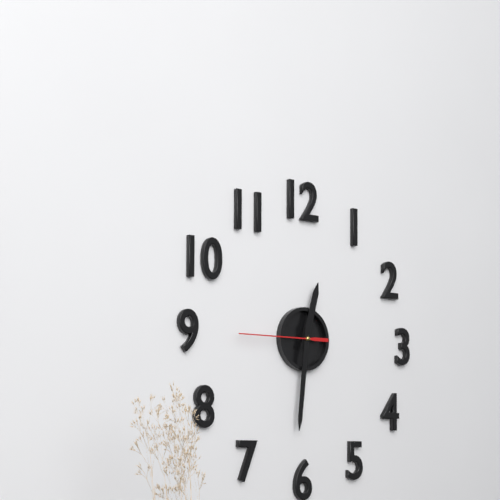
12.31.45
